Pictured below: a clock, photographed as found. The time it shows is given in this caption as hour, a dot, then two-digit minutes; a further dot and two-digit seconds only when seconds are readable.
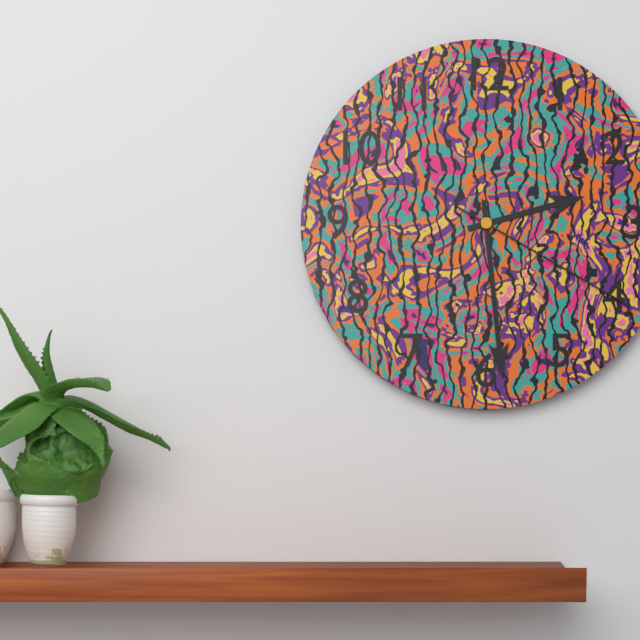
2.29.20
